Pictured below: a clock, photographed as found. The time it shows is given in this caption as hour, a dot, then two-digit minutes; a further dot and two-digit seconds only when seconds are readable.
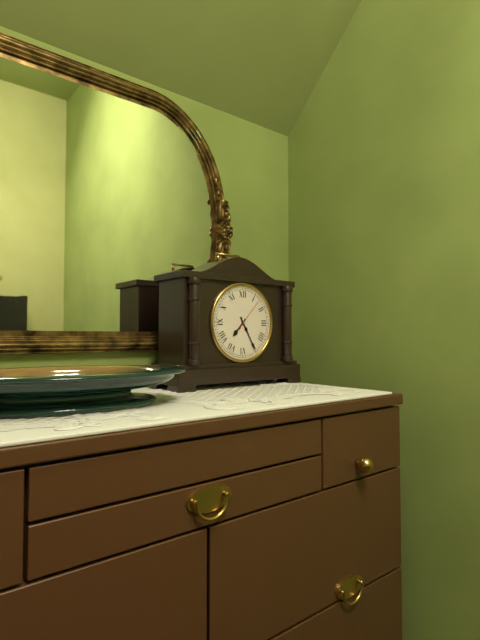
7.25
